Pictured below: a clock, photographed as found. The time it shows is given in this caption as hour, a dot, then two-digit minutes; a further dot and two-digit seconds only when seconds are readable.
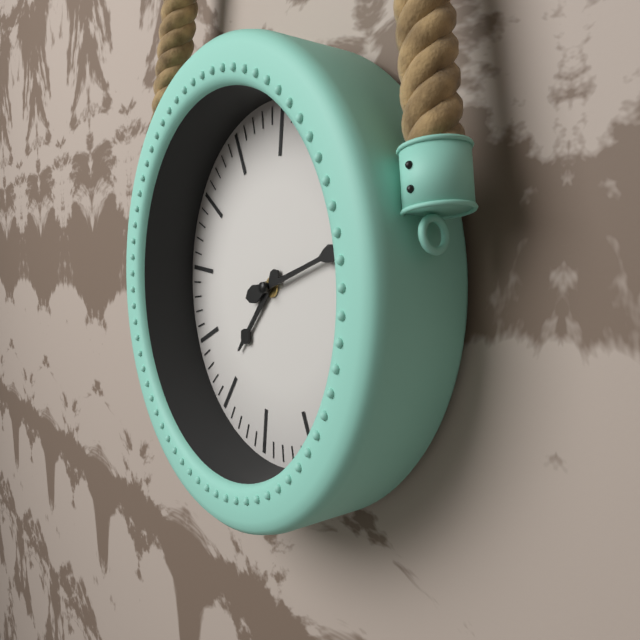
7.11
